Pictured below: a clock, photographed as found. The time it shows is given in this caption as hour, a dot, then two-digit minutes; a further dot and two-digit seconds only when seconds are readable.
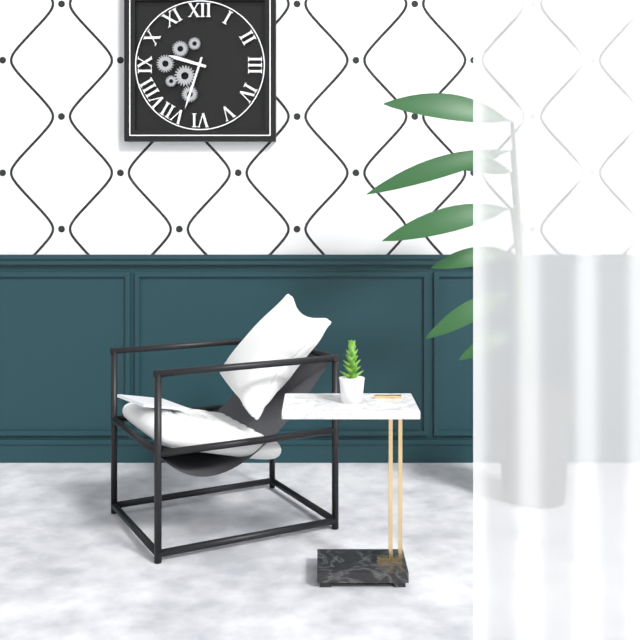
9.33
